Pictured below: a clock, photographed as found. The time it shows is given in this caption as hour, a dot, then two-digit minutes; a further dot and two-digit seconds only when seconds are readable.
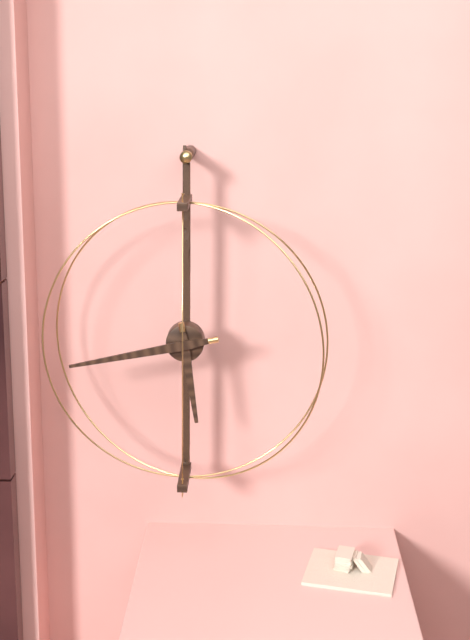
5.43
